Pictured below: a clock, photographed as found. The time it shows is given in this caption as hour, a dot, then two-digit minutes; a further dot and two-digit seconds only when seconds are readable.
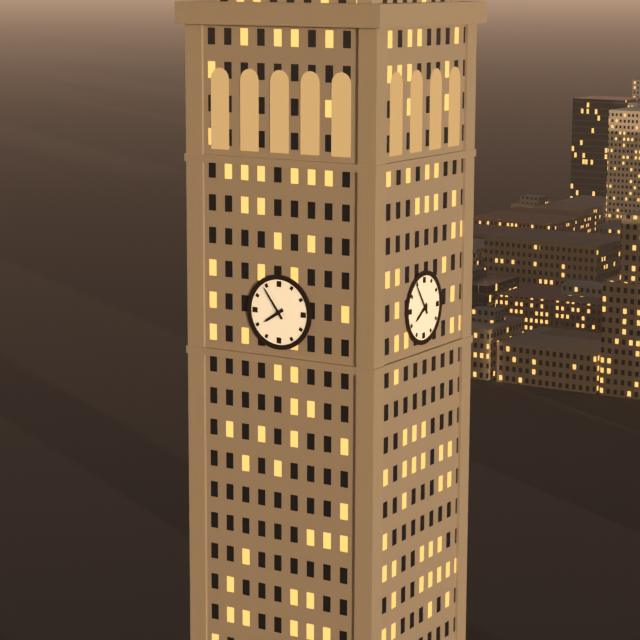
7.54
